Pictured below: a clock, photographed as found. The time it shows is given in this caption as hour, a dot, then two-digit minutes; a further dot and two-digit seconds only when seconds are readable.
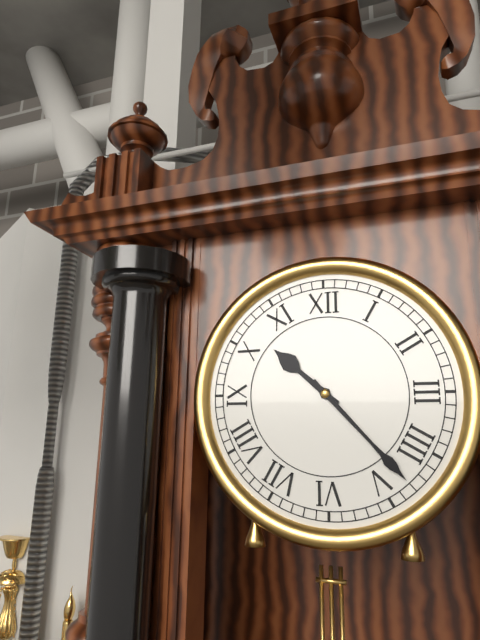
10.23
